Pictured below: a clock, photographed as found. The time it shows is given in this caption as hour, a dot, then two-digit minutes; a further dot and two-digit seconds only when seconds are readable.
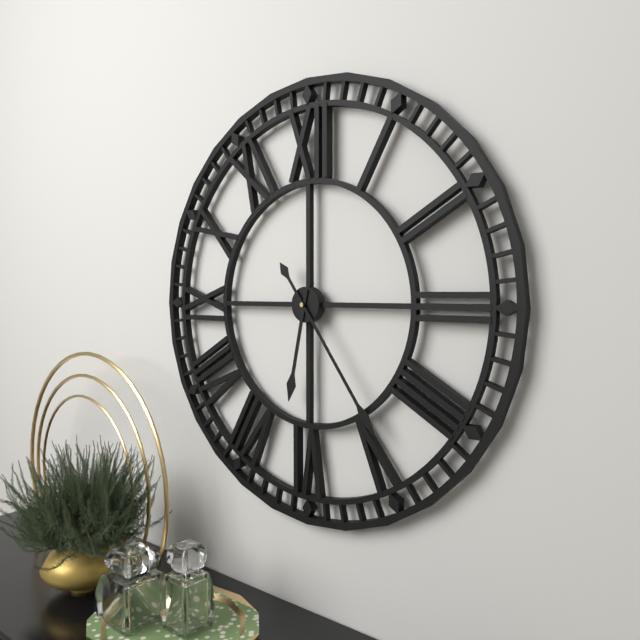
6.24
